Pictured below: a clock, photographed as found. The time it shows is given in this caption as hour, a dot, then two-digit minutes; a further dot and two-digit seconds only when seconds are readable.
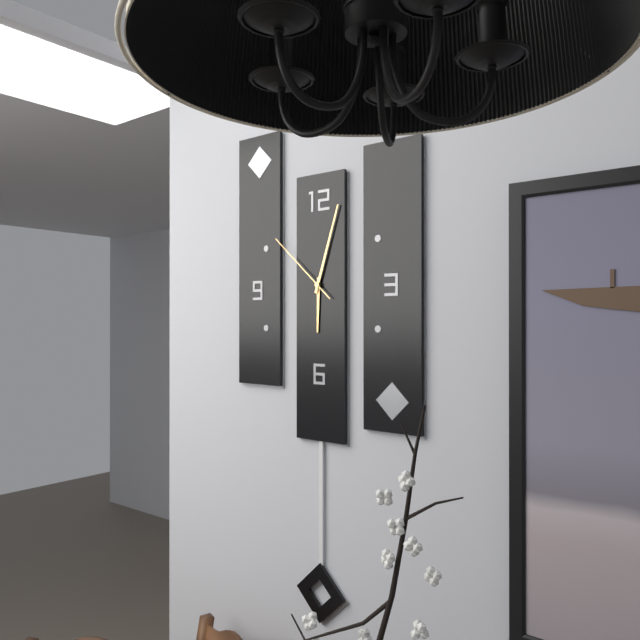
6.03.52
